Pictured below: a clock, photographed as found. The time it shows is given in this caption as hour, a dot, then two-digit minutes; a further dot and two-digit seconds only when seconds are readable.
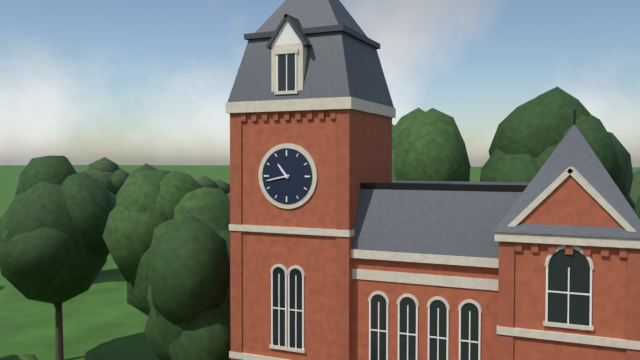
10.43
